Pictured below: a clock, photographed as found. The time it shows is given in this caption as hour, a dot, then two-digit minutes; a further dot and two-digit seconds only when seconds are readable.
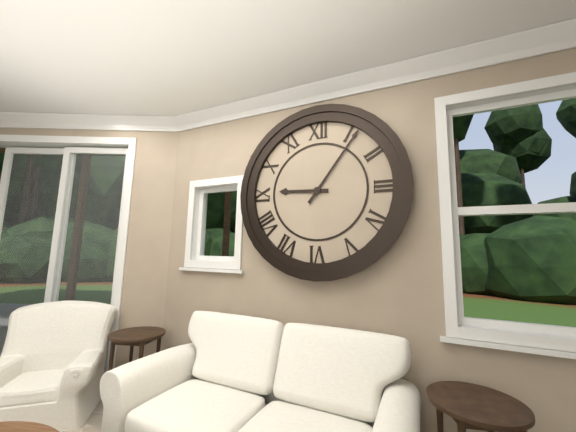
9.06
